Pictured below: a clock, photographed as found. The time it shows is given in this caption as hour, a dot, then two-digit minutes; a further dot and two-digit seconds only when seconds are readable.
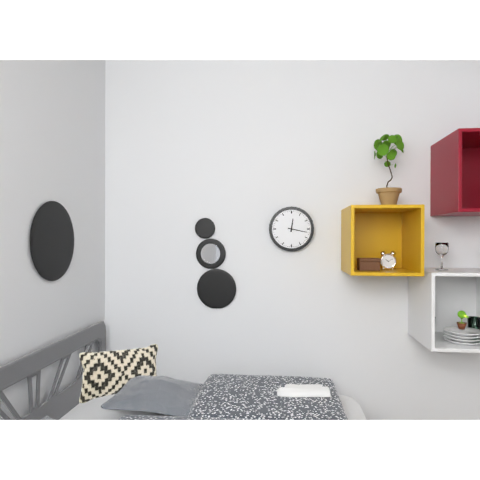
12.17
